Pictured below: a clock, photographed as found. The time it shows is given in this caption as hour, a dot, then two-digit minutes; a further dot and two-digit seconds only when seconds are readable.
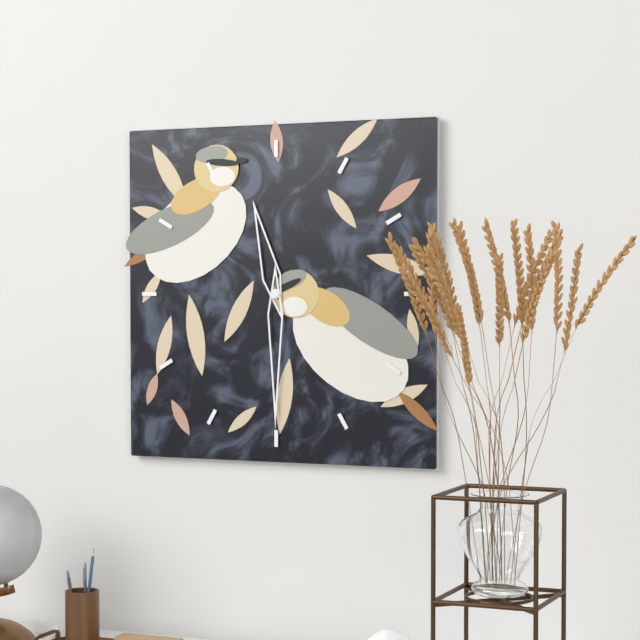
11.30
